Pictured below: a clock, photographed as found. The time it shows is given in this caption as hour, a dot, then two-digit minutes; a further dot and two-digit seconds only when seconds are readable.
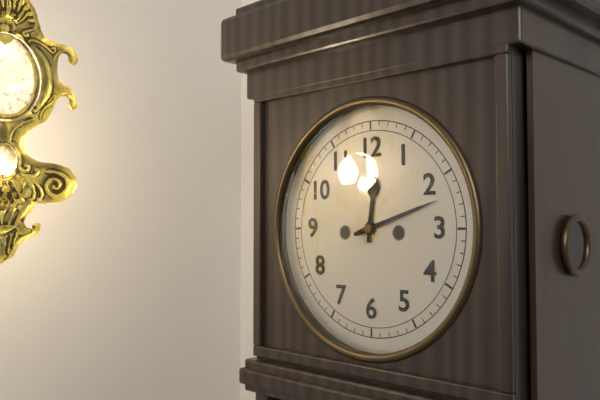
12.12
